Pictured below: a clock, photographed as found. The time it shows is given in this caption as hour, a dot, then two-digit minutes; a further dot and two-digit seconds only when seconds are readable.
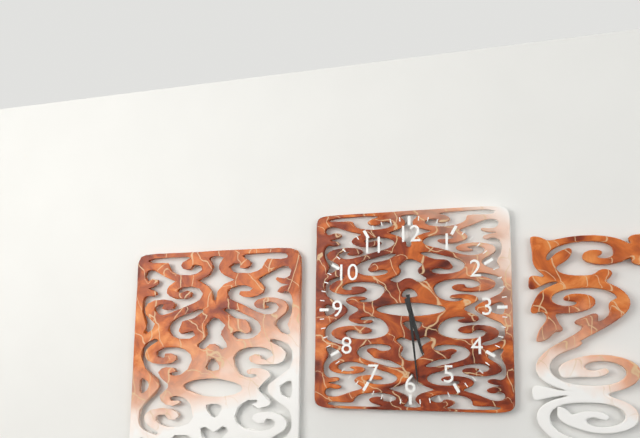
5.29
